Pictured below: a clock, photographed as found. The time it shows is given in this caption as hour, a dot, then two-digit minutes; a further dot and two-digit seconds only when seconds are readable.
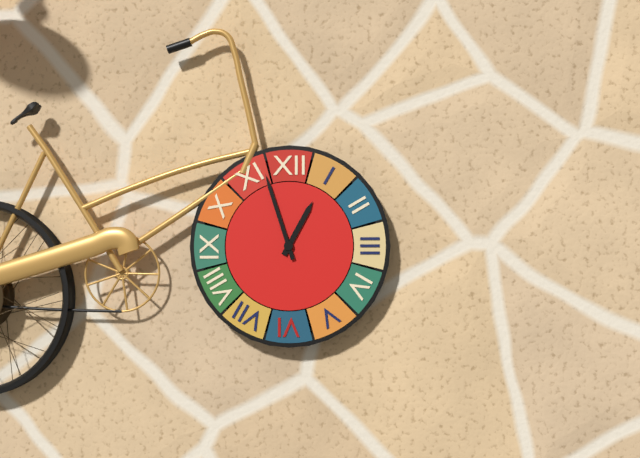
12.57
